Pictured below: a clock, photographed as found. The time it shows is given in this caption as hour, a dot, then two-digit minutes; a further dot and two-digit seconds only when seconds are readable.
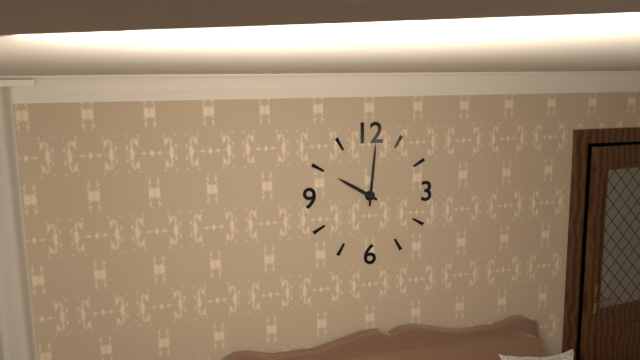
10.01
